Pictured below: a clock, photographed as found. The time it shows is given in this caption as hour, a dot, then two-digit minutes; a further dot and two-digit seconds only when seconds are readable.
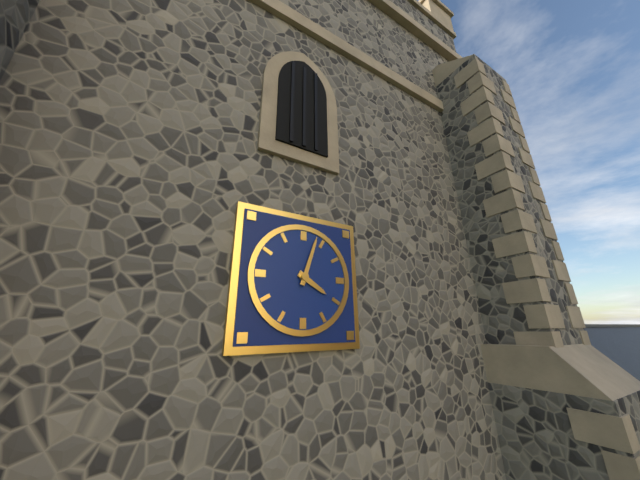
4.03
